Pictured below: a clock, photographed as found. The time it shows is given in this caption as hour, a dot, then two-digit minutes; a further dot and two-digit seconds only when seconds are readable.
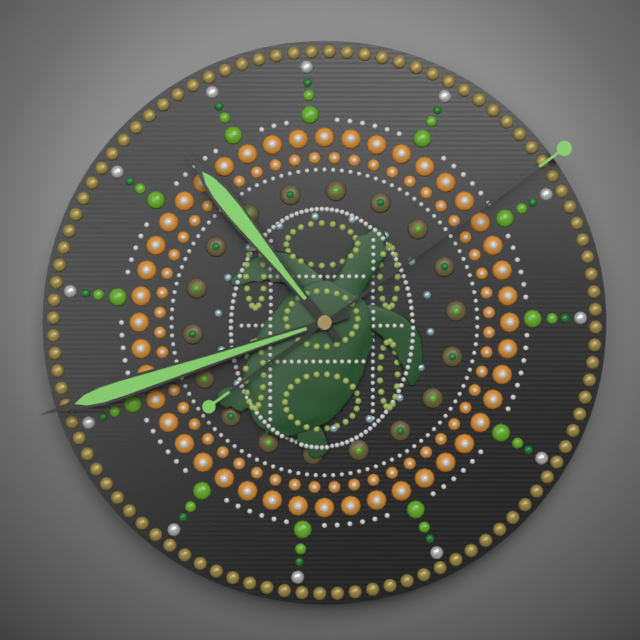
10.42.09
